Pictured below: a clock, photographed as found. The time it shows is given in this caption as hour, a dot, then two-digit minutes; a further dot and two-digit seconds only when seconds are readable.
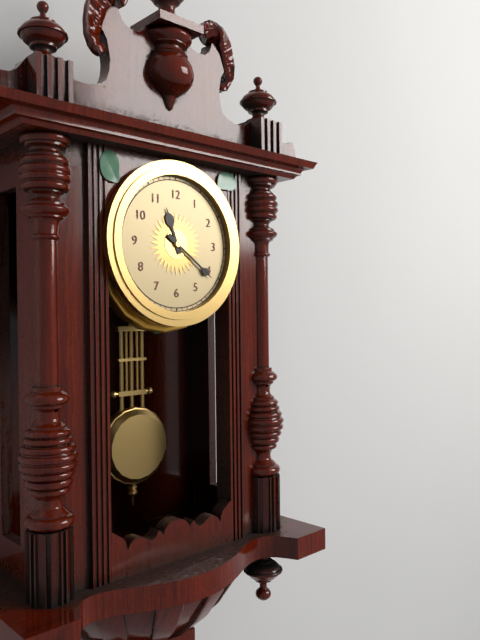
11.21
